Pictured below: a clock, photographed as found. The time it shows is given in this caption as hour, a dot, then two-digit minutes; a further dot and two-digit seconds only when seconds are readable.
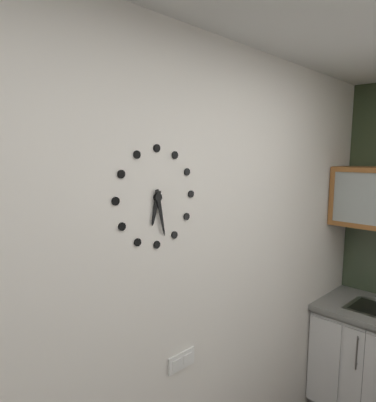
6.28
